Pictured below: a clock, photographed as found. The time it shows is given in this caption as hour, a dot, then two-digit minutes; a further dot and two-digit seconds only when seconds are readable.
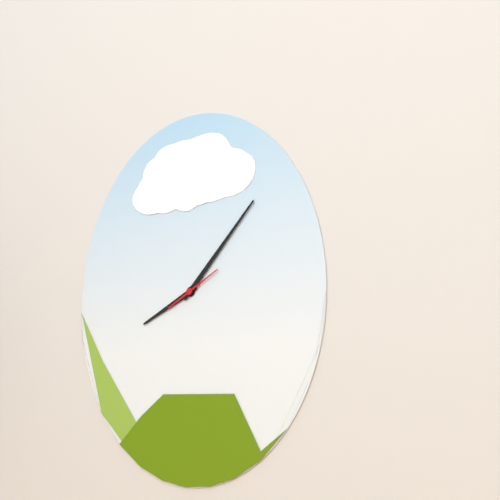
8.07
